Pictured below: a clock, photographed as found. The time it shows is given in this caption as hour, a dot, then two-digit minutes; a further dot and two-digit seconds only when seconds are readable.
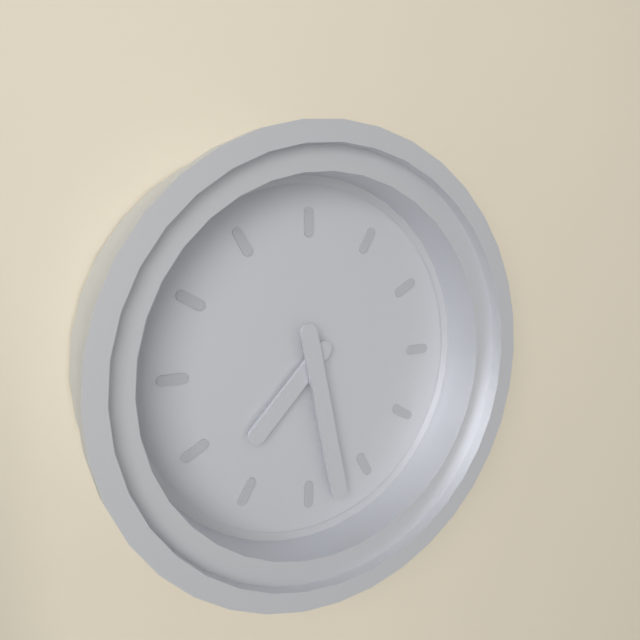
7.28
